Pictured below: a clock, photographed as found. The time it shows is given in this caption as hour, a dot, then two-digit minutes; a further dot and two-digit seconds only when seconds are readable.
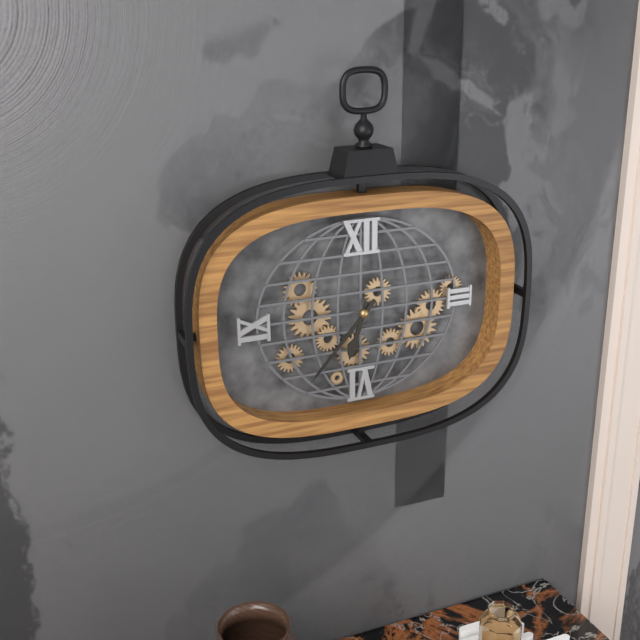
6.37
